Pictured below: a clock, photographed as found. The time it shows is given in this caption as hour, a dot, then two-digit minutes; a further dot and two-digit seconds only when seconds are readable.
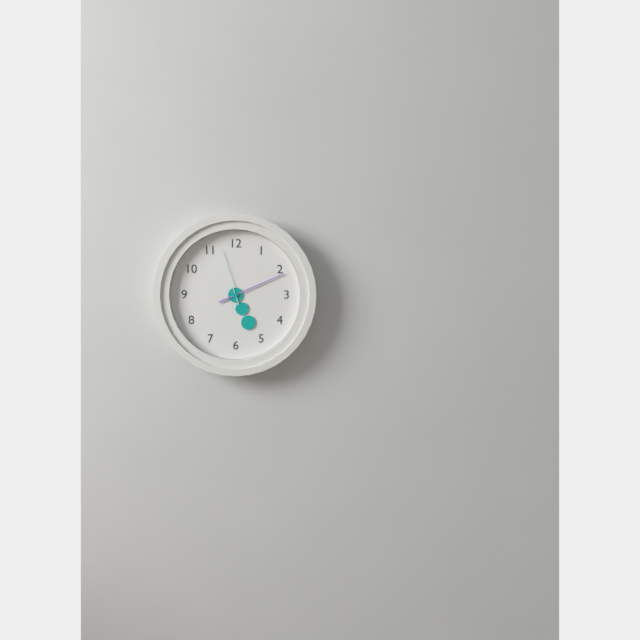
5.11.57
